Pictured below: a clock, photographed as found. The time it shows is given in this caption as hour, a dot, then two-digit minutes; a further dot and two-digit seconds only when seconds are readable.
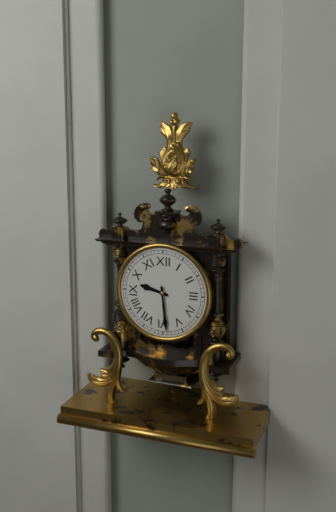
9.29
